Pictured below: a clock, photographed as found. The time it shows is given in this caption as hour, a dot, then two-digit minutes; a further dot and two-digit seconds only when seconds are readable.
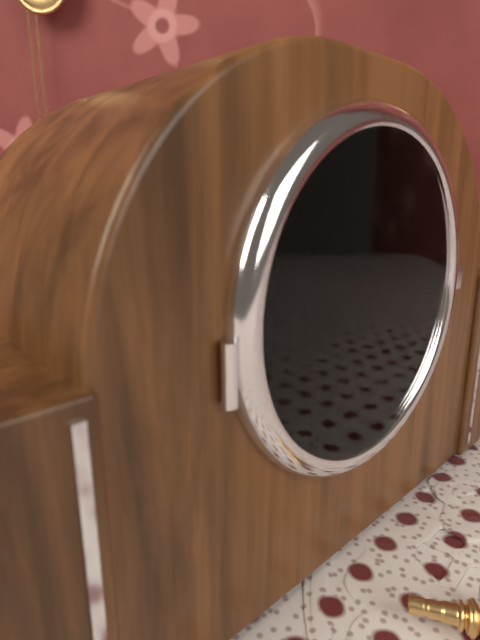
6.53
